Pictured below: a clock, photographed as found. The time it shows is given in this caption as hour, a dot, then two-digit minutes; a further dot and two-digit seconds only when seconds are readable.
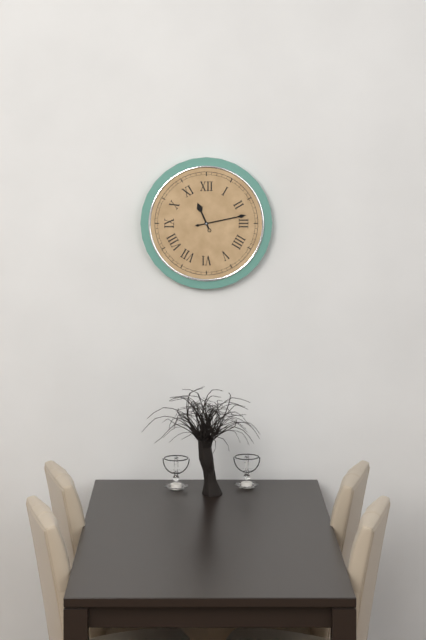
11.13
